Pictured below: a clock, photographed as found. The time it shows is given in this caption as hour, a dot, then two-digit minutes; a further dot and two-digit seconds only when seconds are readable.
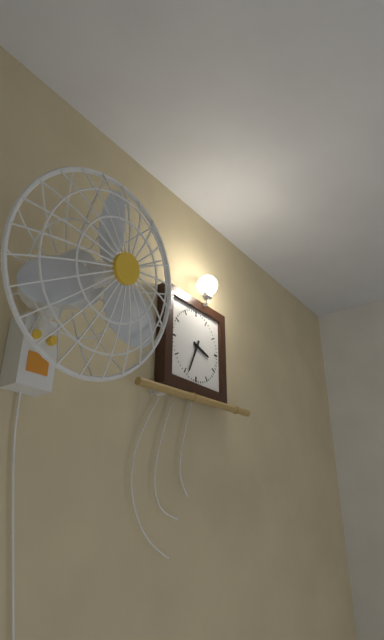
3.34
